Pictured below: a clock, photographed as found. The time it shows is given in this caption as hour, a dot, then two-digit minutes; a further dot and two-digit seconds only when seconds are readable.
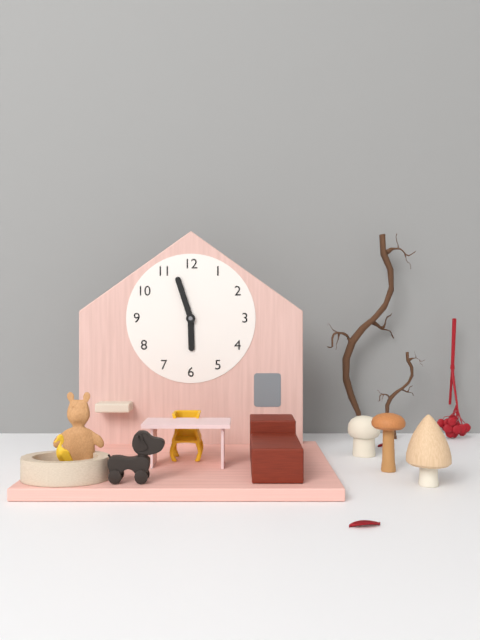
5.57
